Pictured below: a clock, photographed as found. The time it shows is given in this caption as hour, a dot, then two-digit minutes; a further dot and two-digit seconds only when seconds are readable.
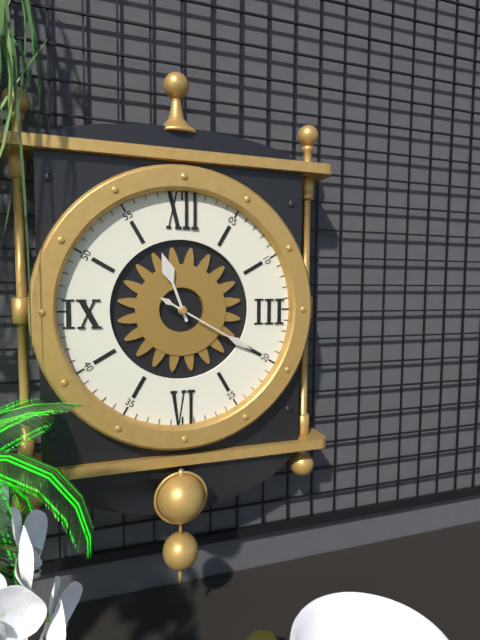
11.20
